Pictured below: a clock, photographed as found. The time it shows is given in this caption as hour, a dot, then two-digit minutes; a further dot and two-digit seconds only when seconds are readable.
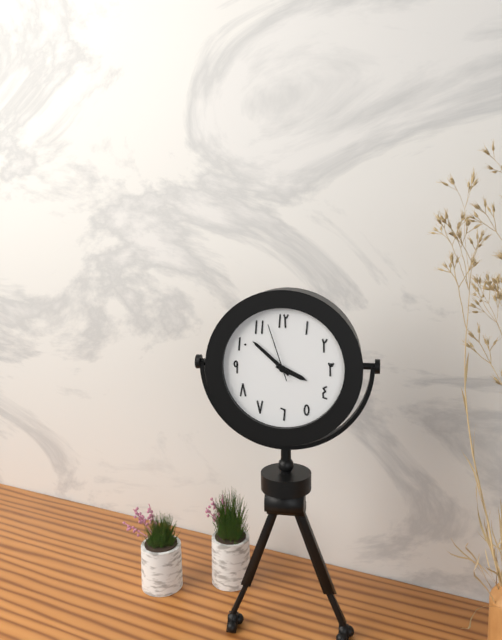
3.52.57
